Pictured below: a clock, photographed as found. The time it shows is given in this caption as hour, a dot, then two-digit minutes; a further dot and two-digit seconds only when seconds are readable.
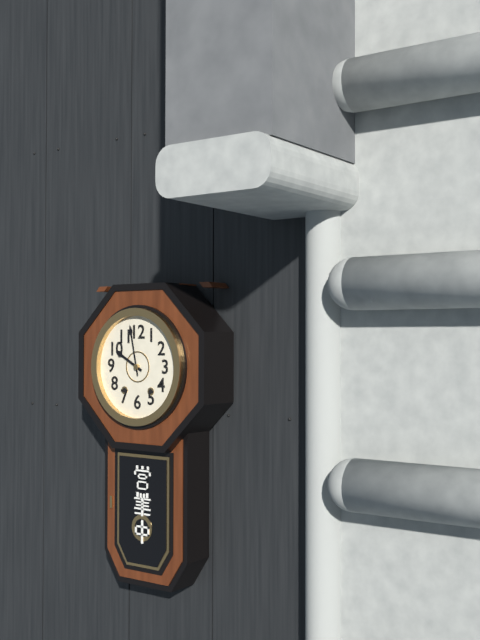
9.58
